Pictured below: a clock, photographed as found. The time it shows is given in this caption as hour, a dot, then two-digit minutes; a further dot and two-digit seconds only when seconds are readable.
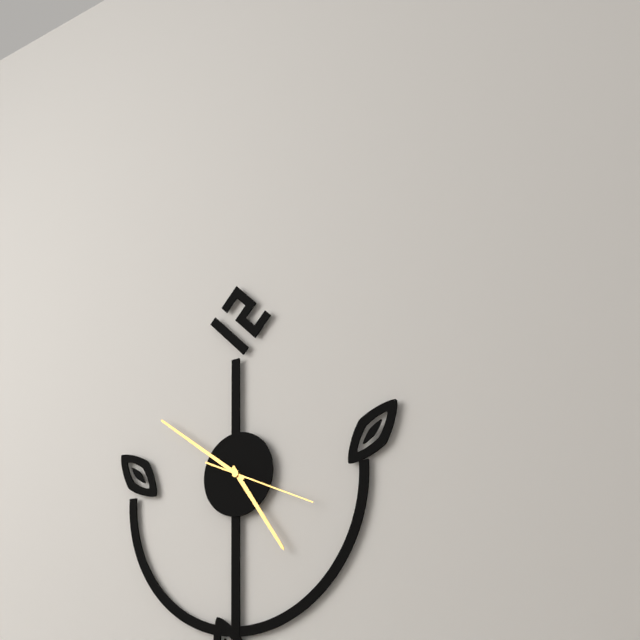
4.51.19
